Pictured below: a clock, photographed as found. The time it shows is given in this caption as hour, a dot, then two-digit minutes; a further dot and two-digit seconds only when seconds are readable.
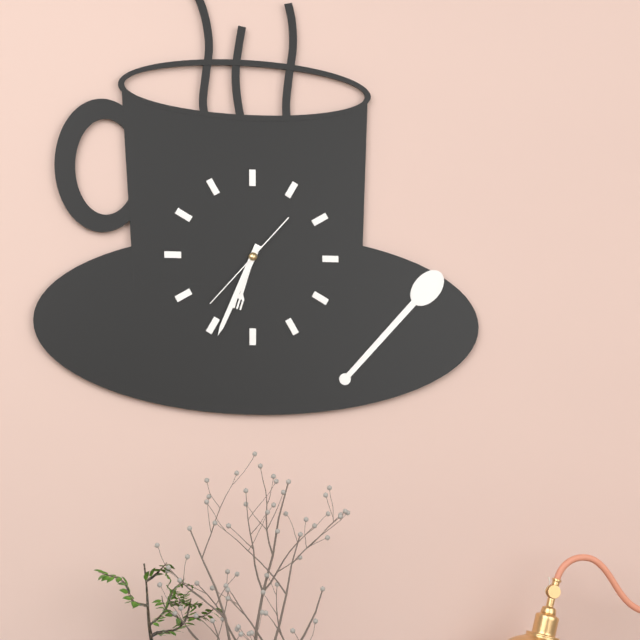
6.34.37
